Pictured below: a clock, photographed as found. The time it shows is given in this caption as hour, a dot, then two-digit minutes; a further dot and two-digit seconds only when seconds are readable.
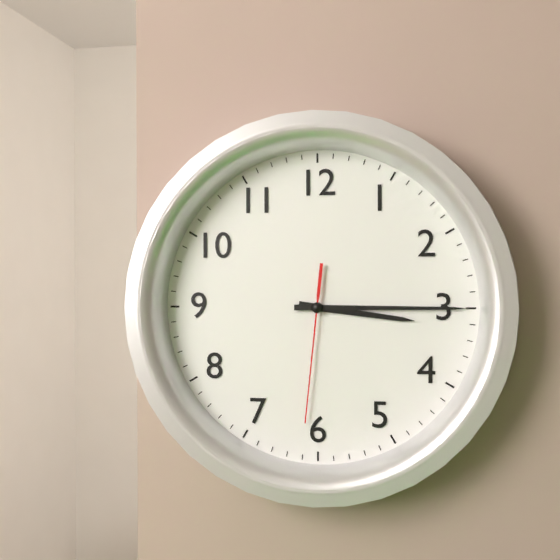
3.15.31
